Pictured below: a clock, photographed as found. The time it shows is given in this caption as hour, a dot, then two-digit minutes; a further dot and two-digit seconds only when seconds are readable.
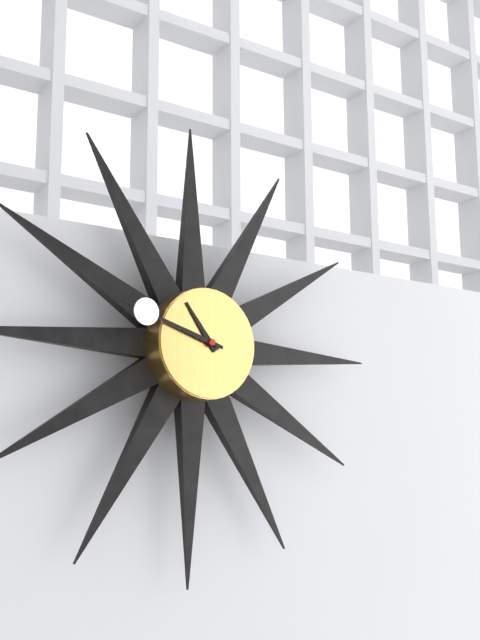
10.48
